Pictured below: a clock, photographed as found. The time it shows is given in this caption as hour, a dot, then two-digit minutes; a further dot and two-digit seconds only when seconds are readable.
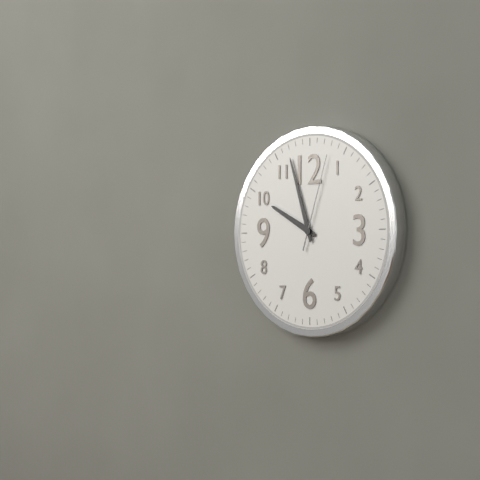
9.57.03
